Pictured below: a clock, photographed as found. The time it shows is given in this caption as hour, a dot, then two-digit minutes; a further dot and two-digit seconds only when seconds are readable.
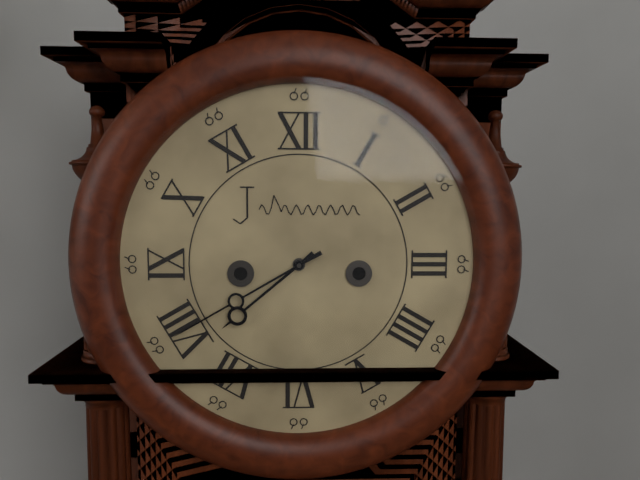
7.40
